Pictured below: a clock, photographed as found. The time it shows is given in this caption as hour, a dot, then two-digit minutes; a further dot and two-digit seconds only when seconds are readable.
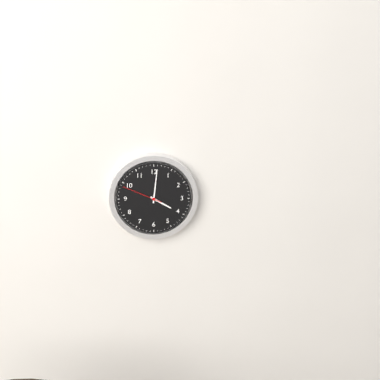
4.01
